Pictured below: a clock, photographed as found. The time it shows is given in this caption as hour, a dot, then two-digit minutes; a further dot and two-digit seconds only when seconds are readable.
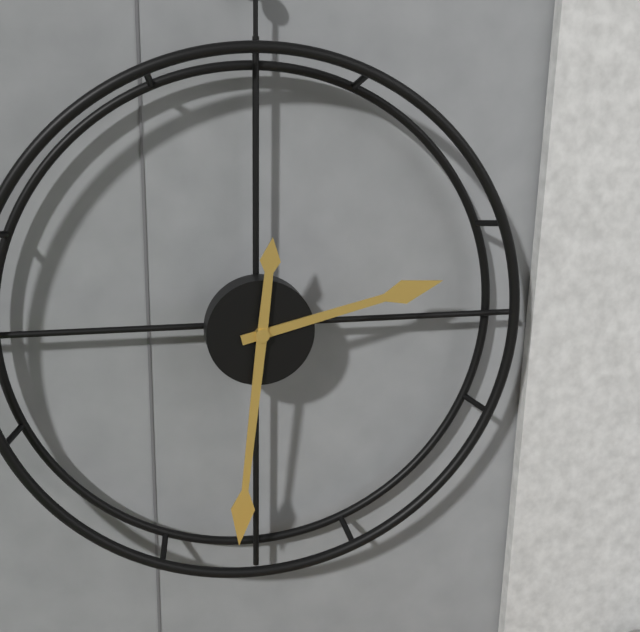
2.31
